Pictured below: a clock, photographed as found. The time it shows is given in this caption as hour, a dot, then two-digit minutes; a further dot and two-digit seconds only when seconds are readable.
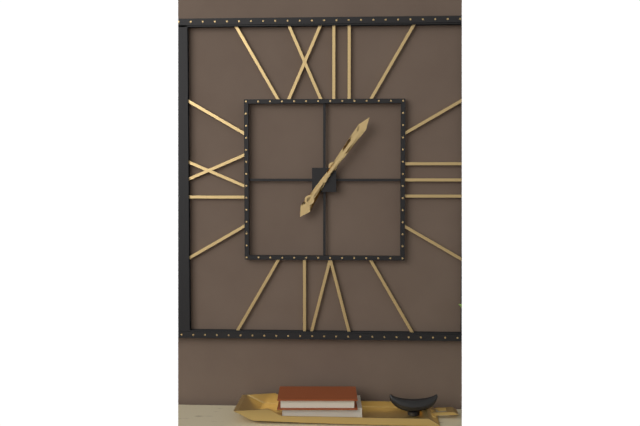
7.06
